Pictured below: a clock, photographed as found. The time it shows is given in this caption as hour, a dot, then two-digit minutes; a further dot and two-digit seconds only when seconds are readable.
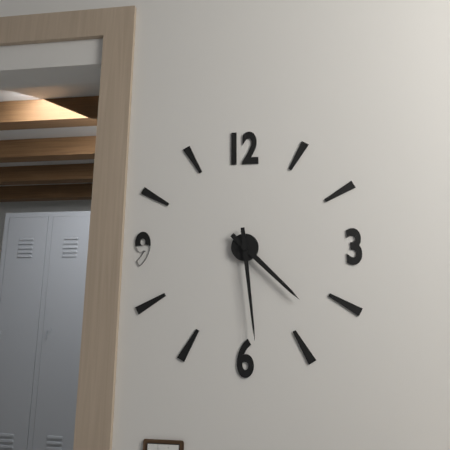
4.29
